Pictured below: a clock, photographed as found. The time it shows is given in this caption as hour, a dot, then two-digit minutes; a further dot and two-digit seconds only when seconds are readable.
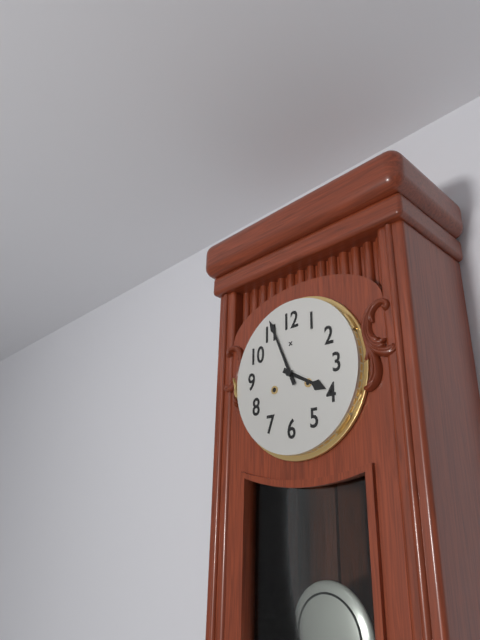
3.56
